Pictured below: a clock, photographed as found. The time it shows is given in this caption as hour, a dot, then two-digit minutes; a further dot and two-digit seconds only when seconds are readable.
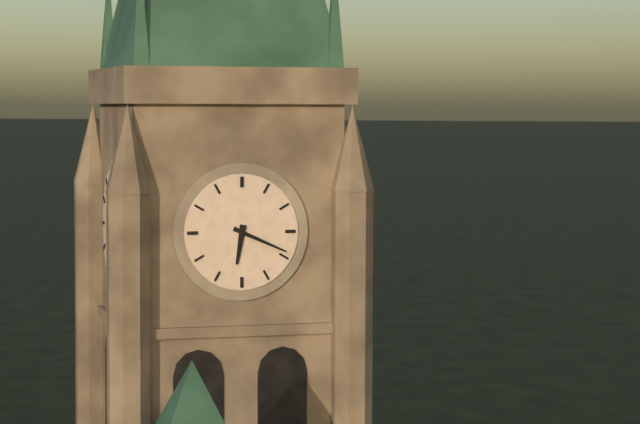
6.19
